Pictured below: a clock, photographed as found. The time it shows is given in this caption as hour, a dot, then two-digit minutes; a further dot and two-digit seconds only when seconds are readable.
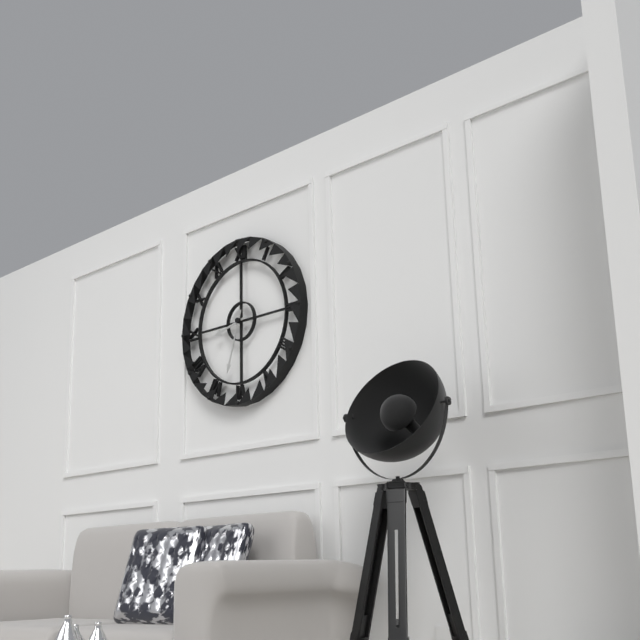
8.33
